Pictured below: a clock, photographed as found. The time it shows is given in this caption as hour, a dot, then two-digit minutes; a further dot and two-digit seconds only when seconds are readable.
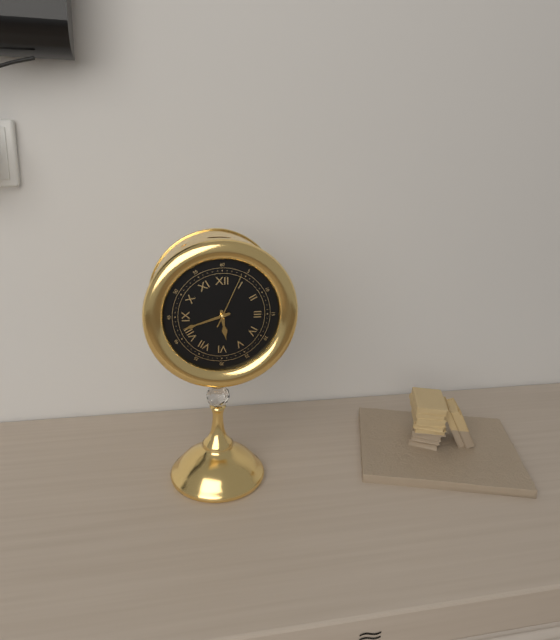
5.42.04
